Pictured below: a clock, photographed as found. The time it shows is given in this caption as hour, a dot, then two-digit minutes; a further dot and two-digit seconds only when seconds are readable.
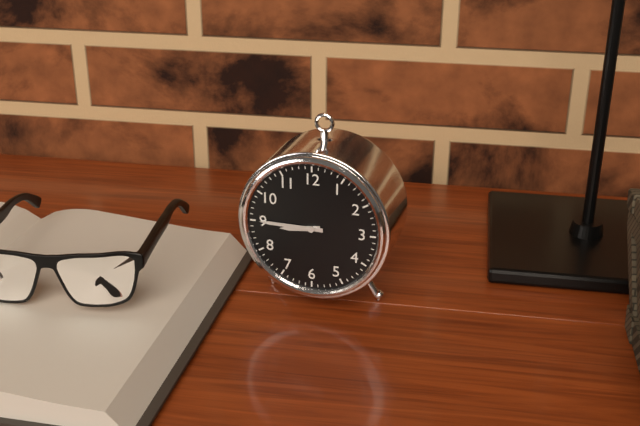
8.45
